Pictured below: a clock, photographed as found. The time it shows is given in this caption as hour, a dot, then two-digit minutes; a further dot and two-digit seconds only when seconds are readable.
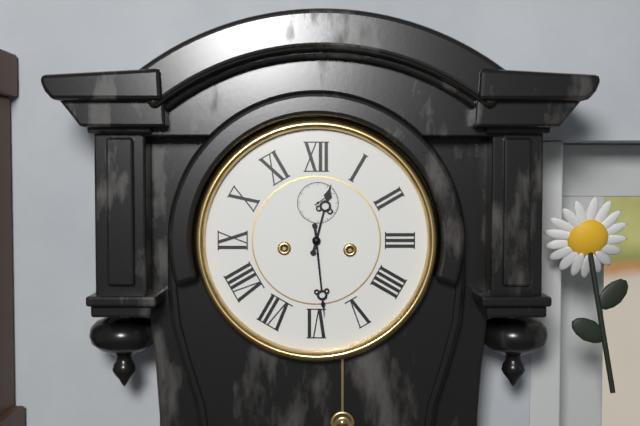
12.29
